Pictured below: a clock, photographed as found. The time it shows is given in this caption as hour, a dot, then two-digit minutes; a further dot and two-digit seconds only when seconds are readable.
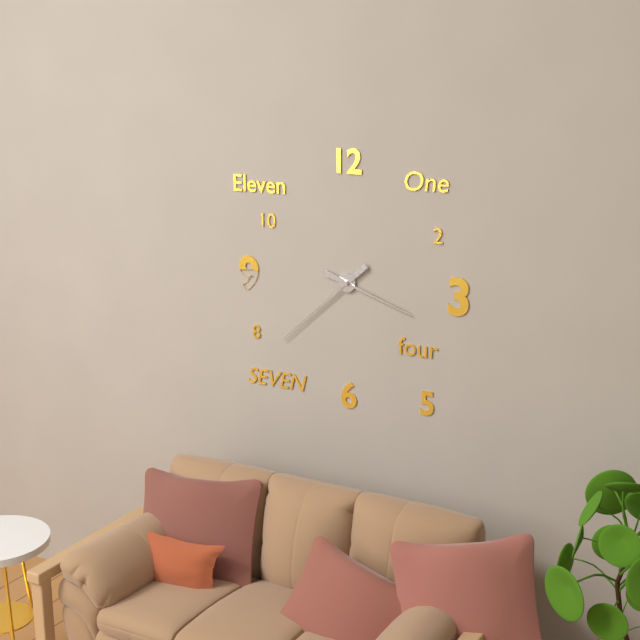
3.38
